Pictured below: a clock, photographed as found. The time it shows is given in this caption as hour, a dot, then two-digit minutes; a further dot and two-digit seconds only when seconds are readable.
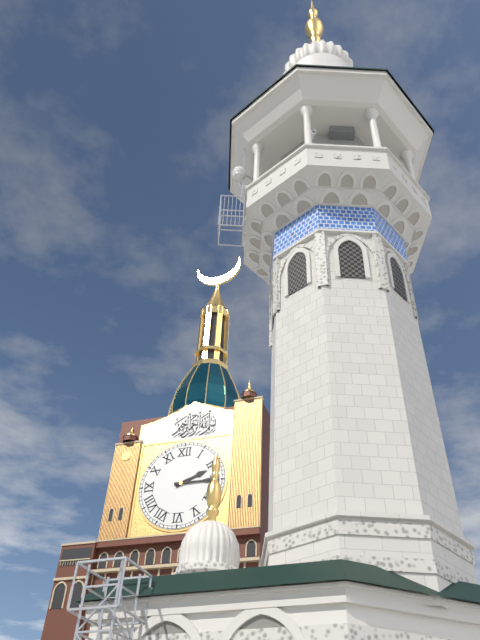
2.15
